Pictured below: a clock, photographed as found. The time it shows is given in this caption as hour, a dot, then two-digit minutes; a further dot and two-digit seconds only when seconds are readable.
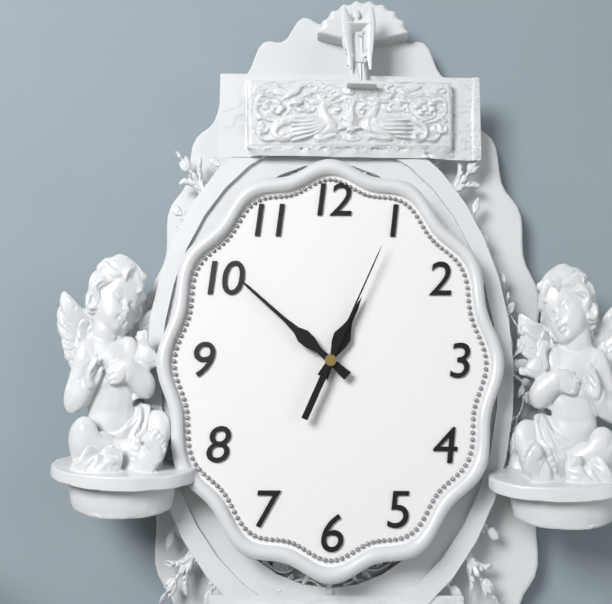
12.52.04
